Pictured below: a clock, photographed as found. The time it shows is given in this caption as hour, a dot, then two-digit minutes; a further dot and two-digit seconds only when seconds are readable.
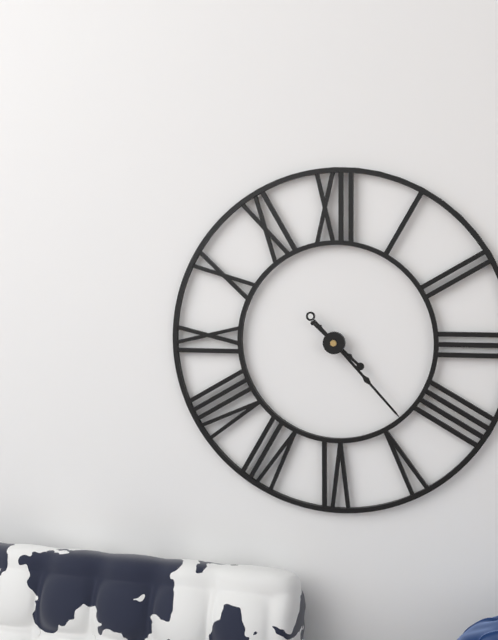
4.23
